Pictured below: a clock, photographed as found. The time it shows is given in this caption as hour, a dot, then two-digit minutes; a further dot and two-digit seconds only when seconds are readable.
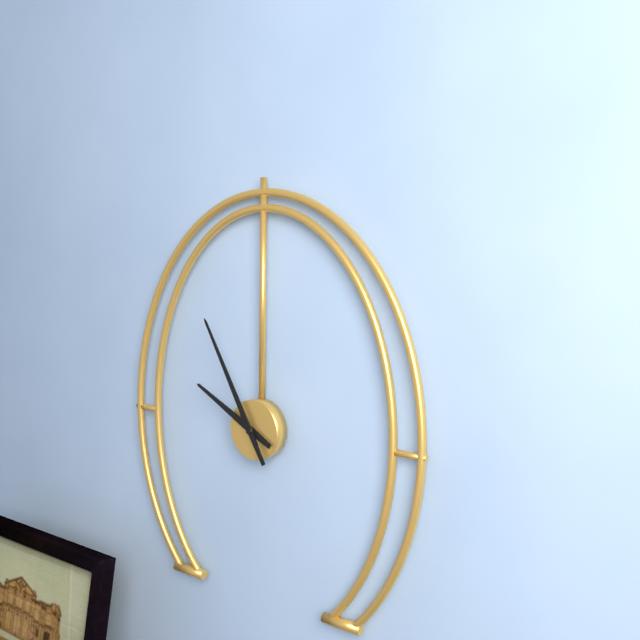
9.55
